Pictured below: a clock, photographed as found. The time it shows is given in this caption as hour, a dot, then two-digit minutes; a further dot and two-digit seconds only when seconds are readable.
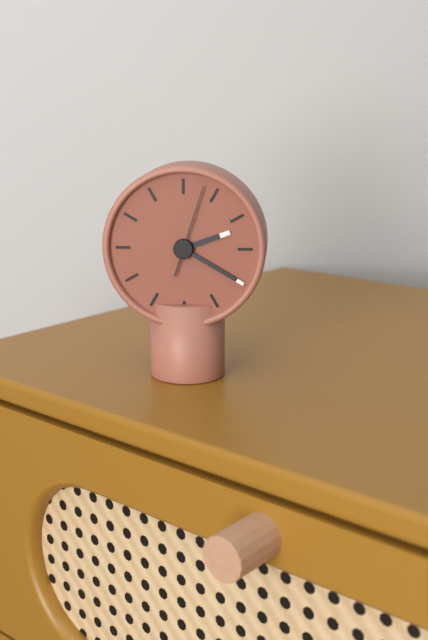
2.20.03
